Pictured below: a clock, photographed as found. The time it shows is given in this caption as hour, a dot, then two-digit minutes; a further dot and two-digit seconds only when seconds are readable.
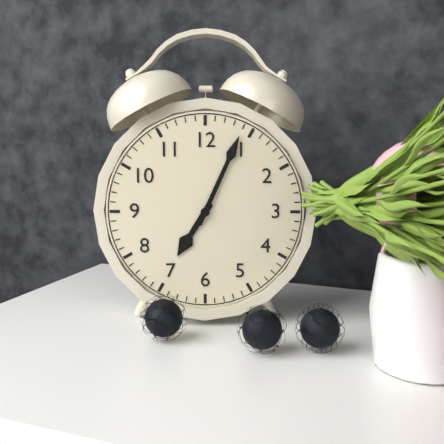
7.04
